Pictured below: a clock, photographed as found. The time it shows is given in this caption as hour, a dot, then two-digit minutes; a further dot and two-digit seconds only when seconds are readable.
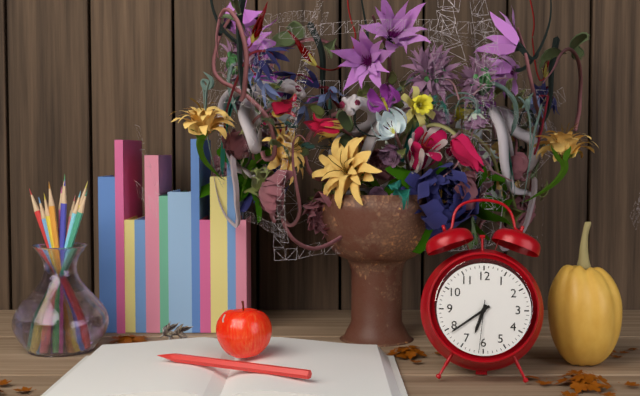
6.39.31
